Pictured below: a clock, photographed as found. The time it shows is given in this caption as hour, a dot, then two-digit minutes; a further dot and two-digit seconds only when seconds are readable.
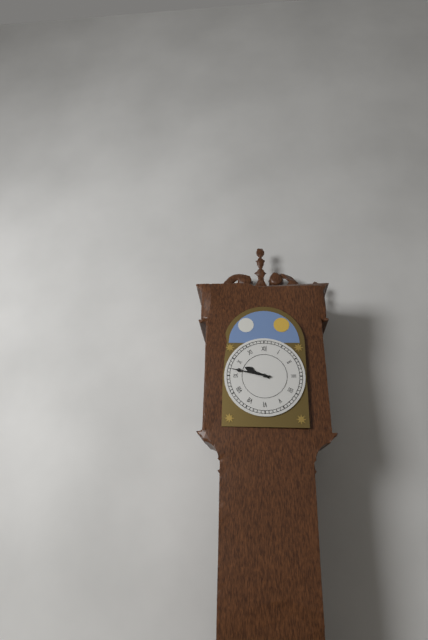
9.47
